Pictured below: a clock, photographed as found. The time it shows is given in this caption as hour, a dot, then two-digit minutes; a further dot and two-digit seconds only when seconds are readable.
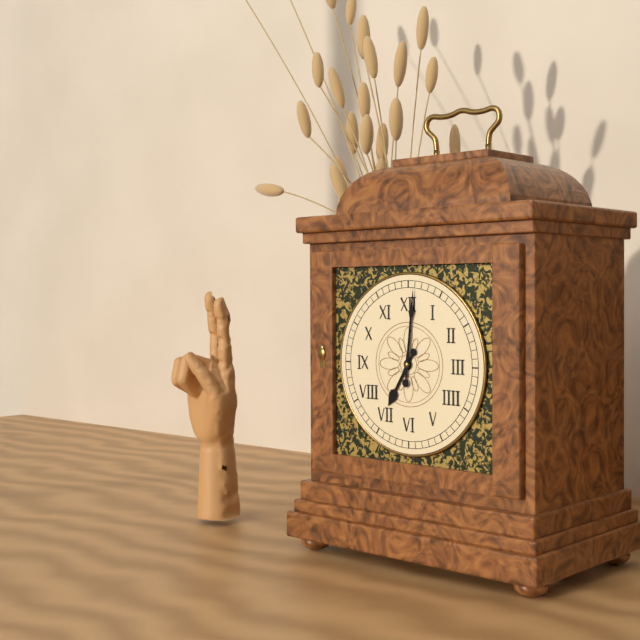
7.01
